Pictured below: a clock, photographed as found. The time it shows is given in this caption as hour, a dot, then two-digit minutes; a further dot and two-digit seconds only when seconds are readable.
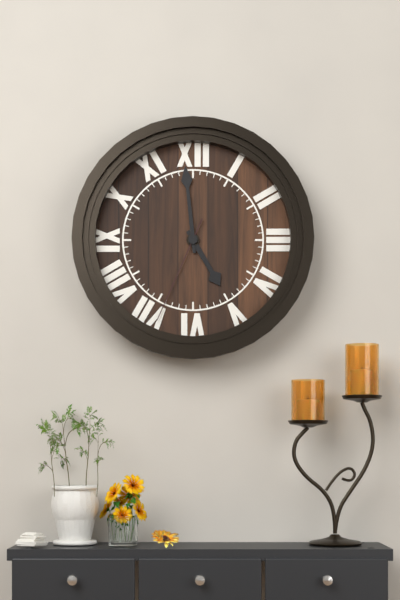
4.59.34
